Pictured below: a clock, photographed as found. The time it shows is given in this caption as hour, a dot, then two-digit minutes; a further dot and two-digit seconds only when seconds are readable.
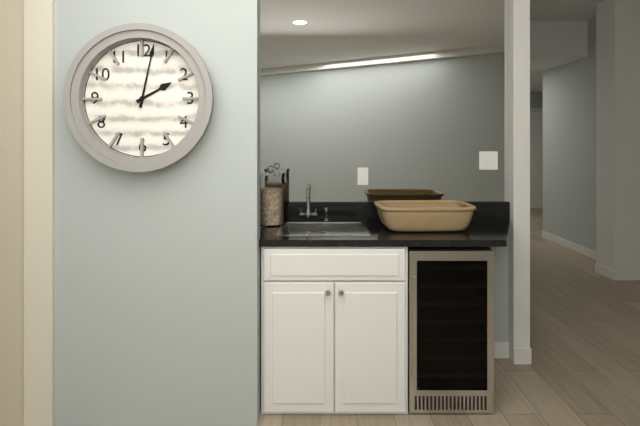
2.02
